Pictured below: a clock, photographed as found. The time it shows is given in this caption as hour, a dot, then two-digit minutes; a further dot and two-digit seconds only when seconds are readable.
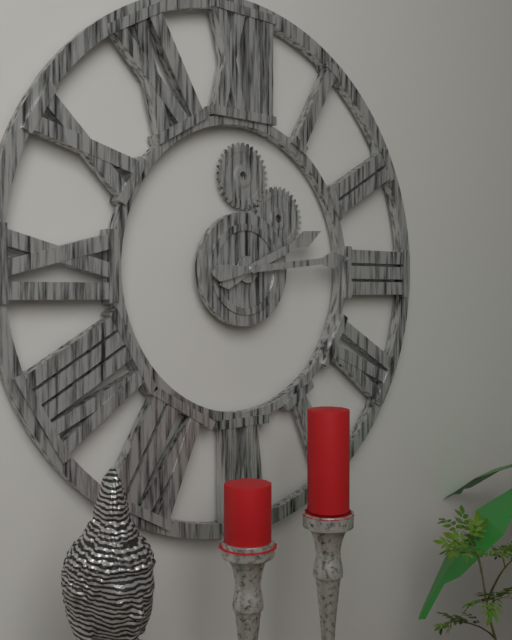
2.14
